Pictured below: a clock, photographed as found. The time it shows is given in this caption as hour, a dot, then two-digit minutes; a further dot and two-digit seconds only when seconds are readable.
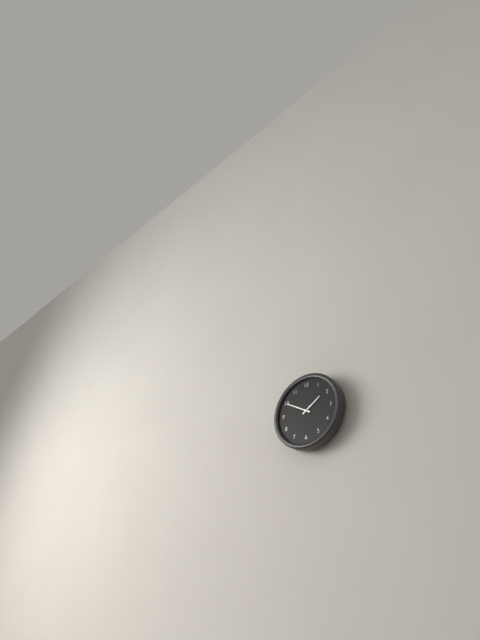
1.50
